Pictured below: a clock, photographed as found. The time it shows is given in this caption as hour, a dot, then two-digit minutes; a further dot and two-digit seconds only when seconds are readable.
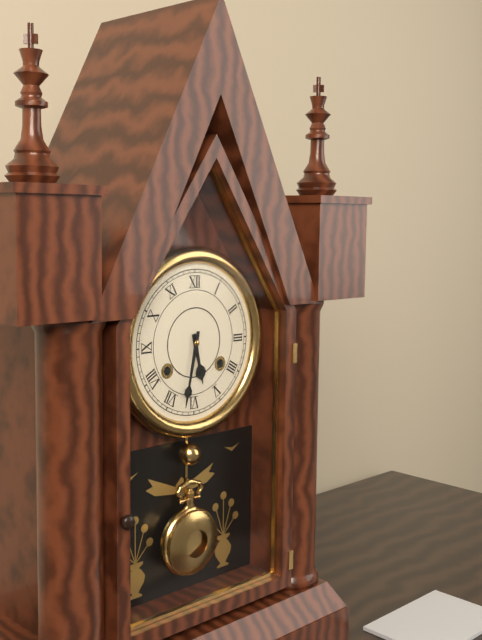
5.32
